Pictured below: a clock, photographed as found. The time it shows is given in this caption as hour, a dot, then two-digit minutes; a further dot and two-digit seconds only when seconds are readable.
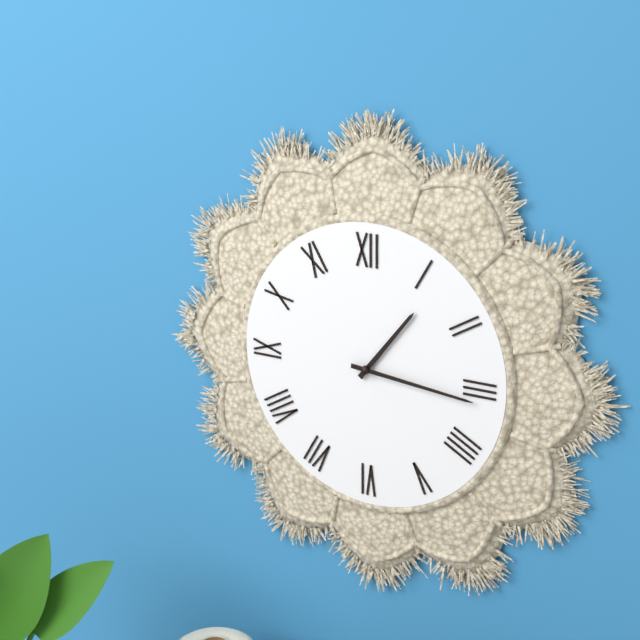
1.16
